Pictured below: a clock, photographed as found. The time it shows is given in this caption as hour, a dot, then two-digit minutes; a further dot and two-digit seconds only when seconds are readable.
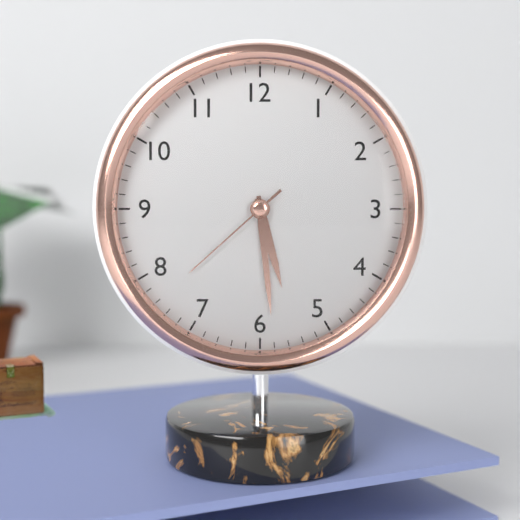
5.29.38
